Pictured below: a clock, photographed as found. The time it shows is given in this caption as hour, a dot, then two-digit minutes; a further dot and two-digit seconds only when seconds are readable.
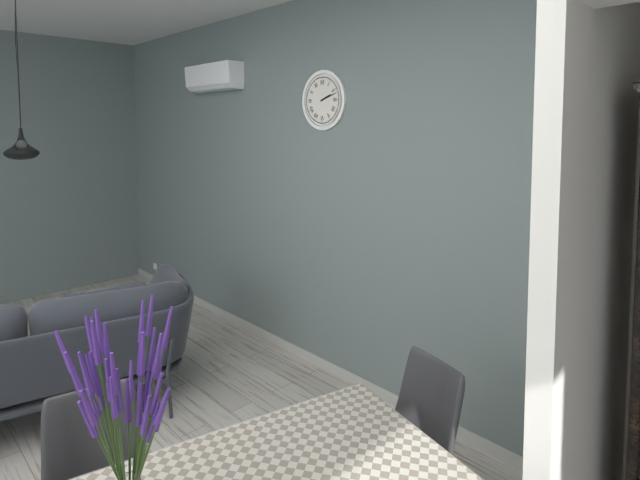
2.12
